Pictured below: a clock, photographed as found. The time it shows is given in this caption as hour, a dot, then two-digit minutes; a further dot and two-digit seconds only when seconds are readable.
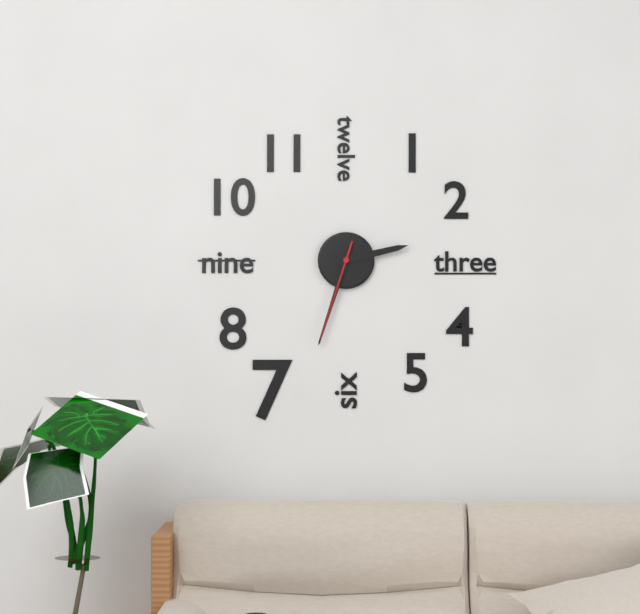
2.33.33
